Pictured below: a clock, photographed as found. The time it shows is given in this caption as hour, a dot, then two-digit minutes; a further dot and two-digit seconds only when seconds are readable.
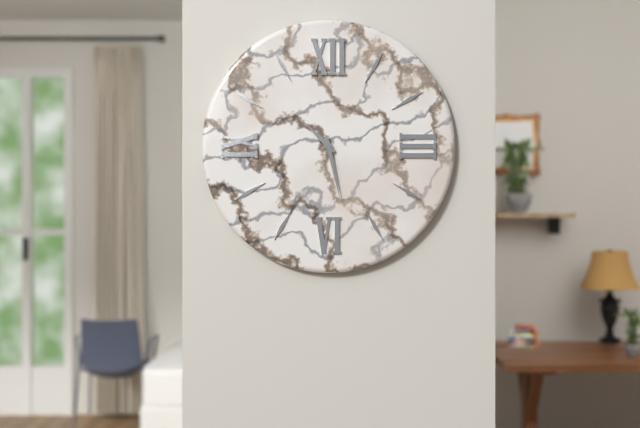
10.28
